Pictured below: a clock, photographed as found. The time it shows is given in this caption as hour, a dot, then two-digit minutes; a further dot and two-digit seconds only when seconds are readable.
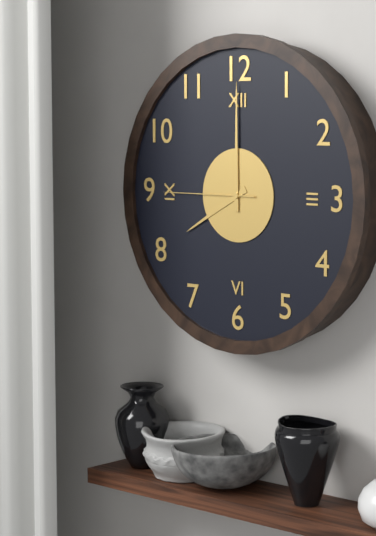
8.00.45
